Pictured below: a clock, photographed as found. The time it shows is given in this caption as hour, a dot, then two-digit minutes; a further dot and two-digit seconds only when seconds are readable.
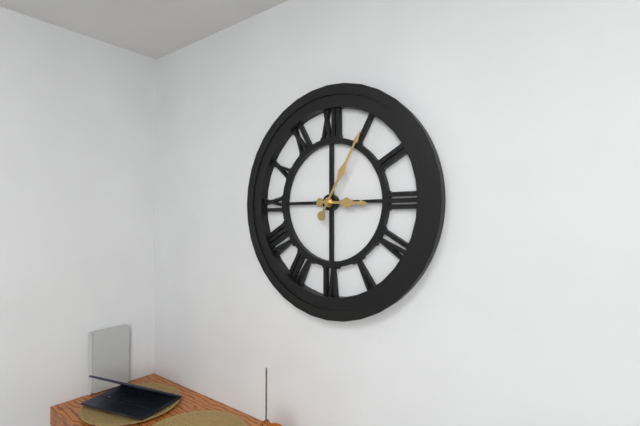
3.05
